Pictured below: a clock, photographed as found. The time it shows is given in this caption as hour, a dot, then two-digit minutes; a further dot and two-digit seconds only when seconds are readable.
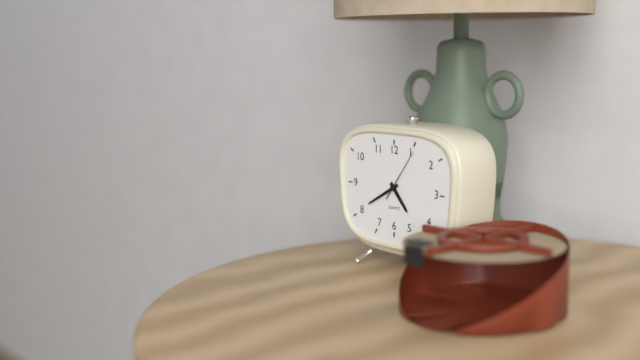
4.40.06
